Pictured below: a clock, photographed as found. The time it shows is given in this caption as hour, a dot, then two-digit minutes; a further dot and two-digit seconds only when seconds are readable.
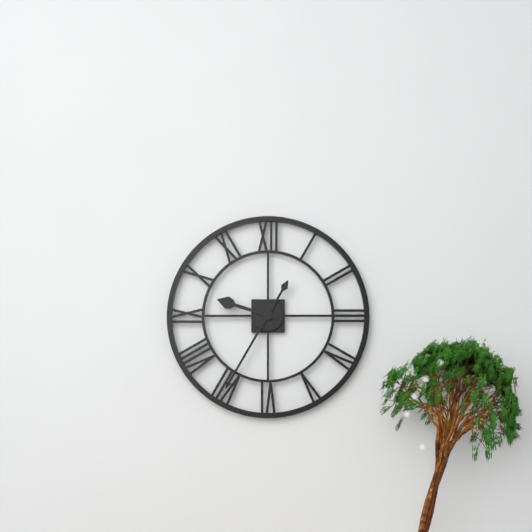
9.35
